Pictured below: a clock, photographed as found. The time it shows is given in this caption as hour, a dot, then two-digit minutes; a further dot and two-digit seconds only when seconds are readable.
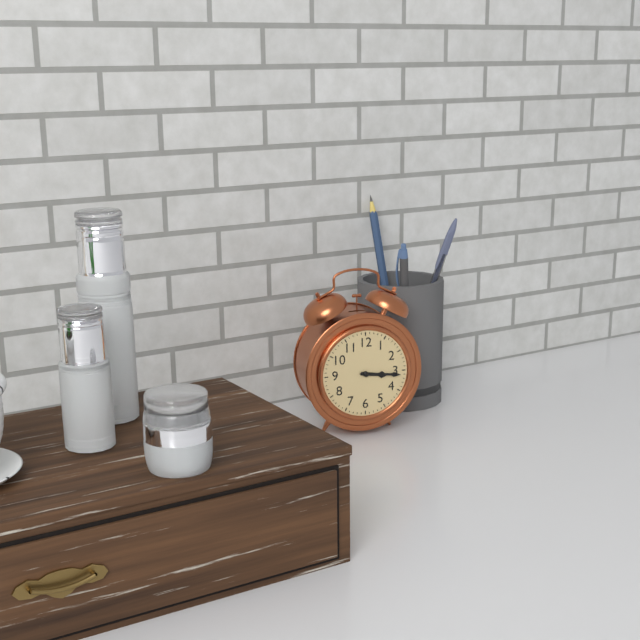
3.16
